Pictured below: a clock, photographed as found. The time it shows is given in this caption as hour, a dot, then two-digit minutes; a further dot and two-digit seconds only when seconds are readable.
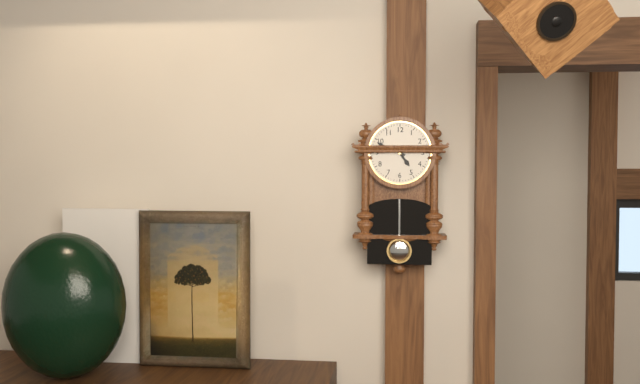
4.49
